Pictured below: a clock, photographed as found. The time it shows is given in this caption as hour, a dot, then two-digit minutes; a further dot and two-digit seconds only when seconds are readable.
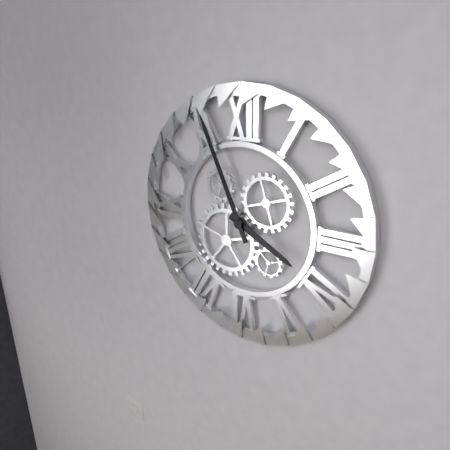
3.56
